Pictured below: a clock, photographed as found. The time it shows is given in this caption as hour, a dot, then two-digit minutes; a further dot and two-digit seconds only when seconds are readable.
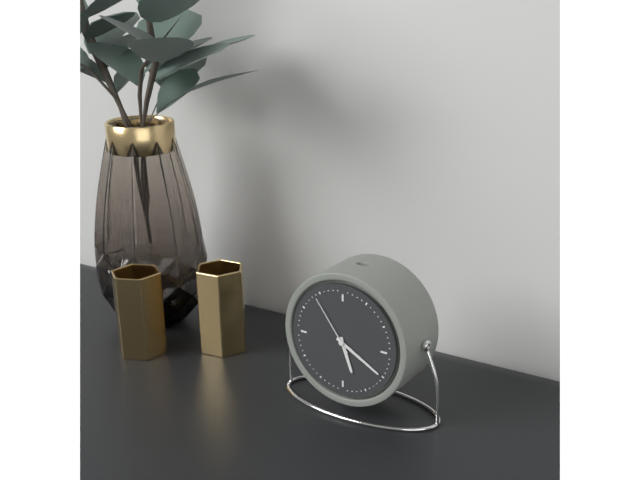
5.20.54
